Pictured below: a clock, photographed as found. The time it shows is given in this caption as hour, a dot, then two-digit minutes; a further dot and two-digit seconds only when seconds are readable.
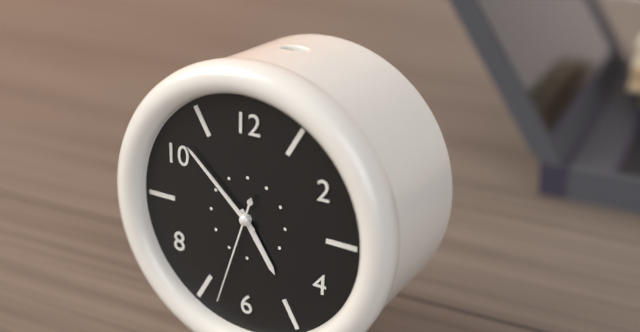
4.52.33
